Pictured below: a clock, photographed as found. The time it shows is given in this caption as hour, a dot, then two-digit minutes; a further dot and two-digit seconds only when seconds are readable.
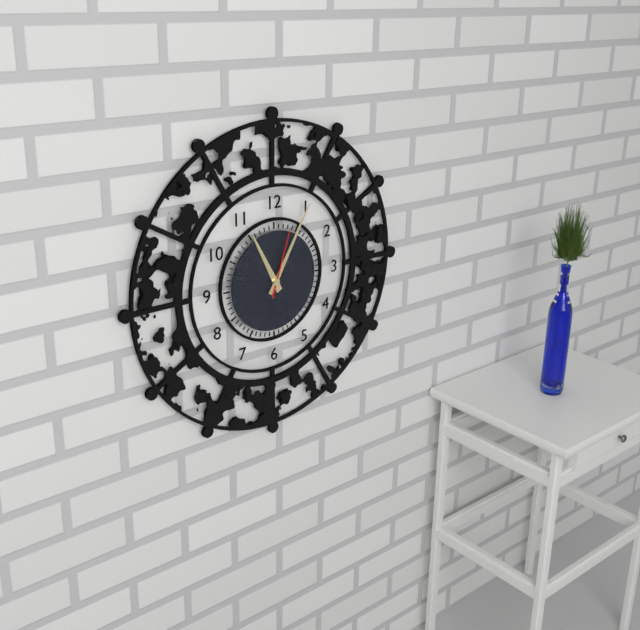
11.05.03
